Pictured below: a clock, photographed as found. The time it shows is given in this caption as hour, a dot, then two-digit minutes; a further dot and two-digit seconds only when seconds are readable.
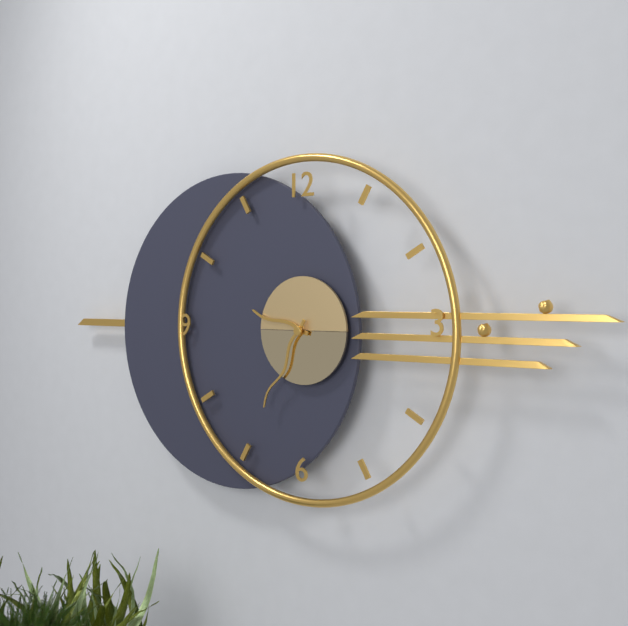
9.35
